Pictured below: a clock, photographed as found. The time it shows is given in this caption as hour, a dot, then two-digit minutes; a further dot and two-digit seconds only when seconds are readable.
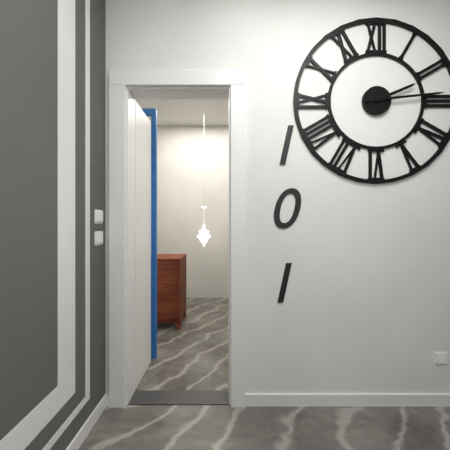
2.14
